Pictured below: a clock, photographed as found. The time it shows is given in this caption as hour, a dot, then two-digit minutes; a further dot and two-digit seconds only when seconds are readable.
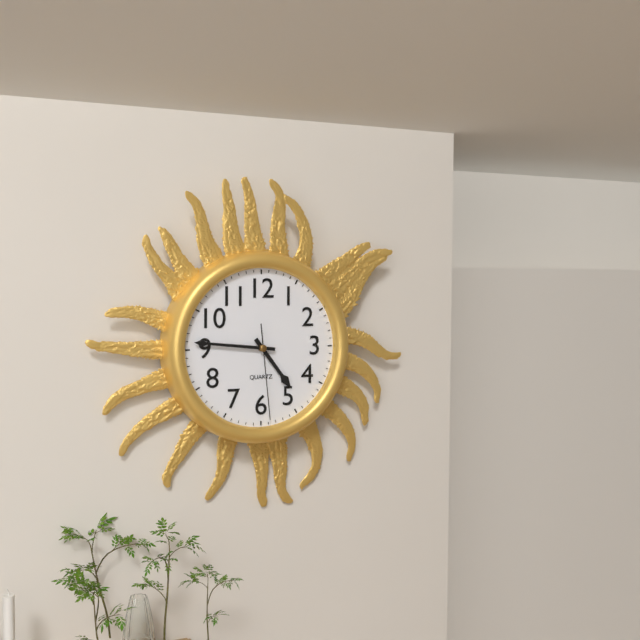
4.46.29
